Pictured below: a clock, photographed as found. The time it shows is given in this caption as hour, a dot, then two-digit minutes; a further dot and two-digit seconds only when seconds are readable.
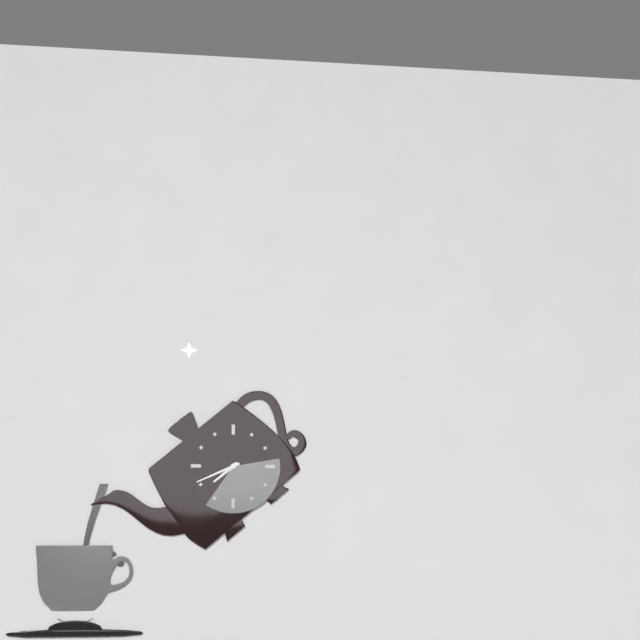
7.41
